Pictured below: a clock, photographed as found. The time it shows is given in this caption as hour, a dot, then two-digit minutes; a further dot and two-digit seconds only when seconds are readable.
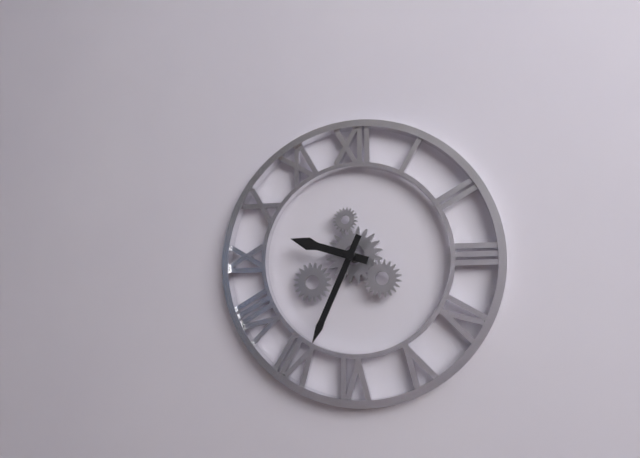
9.34
